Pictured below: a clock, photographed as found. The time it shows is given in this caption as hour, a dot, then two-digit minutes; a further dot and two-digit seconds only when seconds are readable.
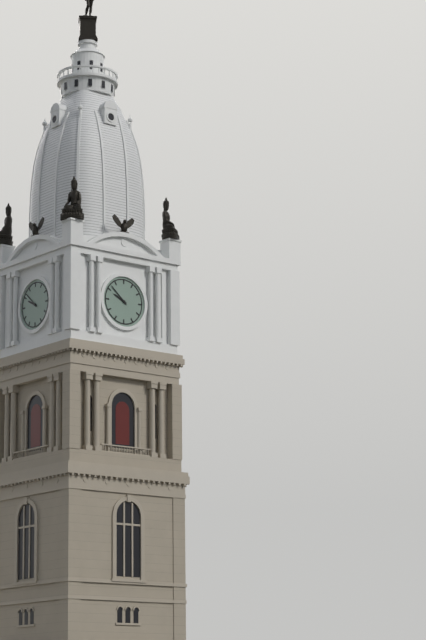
9.52
